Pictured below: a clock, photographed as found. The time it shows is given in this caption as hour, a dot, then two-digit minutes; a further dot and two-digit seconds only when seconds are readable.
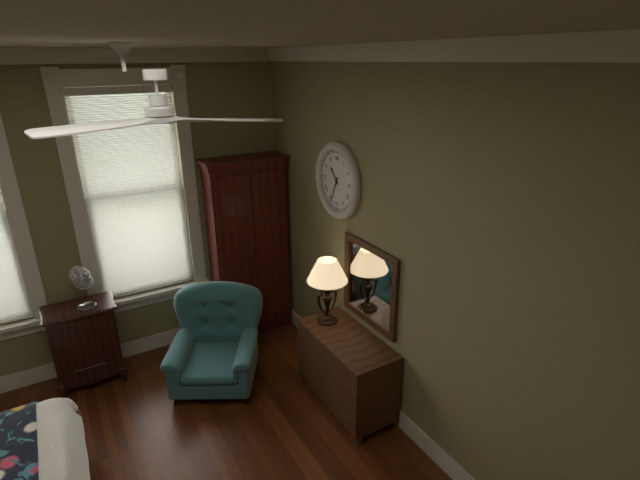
10.34
